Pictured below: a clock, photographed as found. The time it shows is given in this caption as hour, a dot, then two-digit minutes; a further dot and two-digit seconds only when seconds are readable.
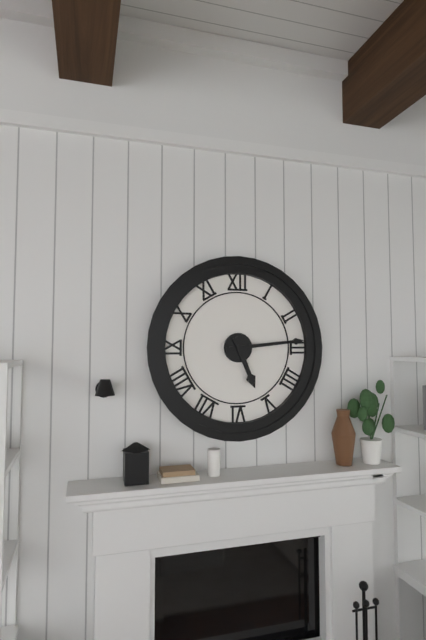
5.14
